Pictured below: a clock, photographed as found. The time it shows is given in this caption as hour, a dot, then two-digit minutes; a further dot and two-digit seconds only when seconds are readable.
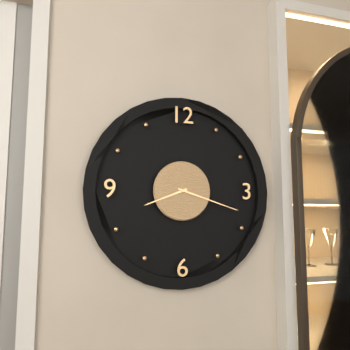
8.18
